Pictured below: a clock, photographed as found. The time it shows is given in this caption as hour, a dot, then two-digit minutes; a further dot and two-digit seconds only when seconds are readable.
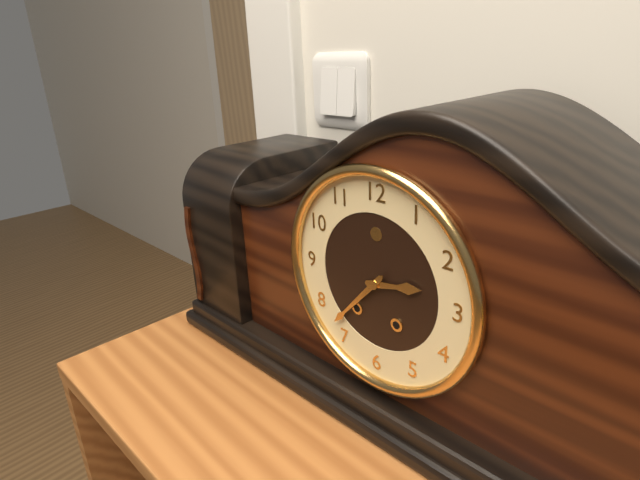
2.37
